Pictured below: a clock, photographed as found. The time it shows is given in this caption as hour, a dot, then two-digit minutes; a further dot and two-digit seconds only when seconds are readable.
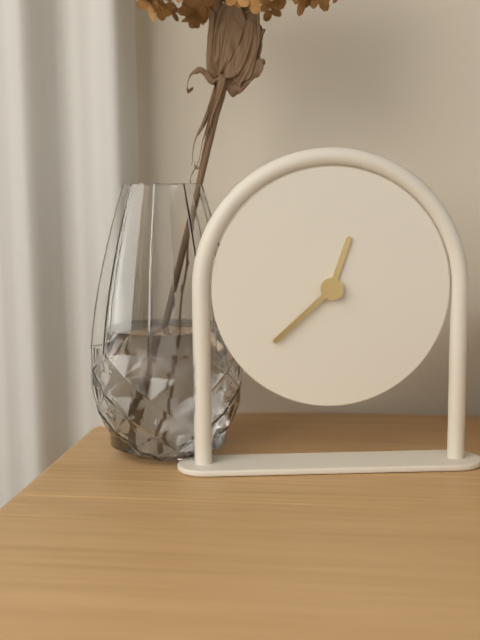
12.38
